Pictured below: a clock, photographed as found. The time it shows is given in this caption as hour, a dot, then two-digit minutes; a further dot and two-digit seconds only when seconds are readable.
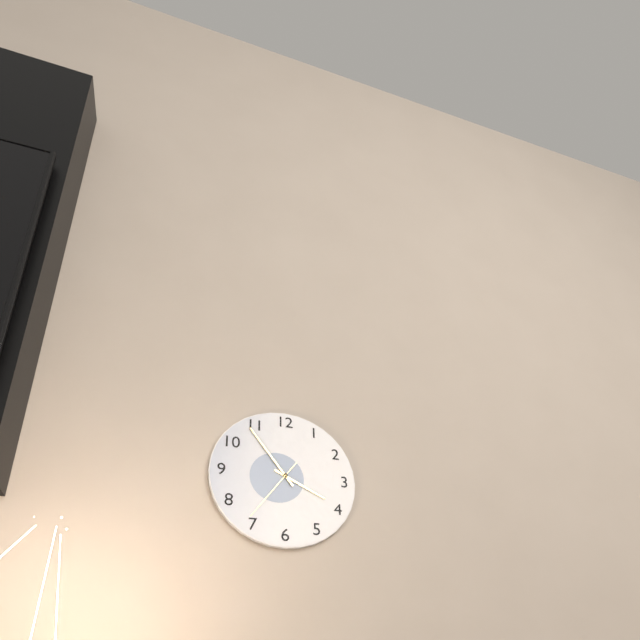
3.54.36
